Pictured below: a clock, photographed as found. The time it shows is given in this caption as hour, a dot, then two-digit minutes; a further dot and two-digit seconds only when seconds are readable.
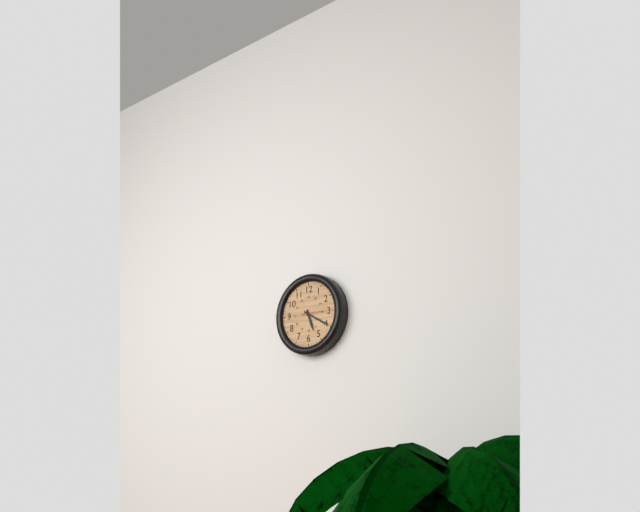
5.20
